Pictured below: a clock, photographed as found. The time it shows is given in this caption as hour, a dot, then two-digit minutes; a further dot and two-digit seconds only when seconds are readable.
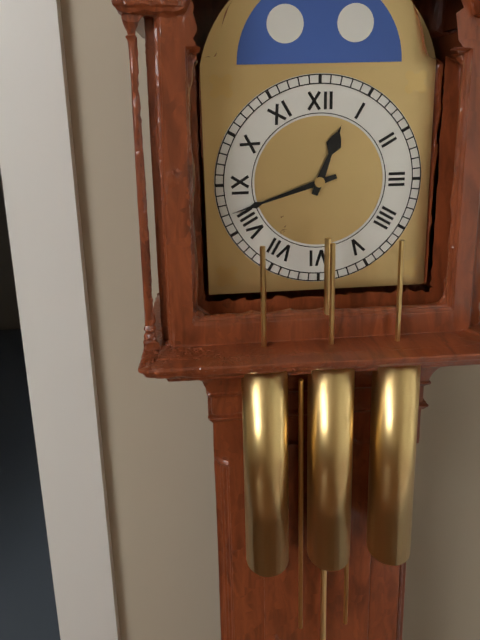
12.42
